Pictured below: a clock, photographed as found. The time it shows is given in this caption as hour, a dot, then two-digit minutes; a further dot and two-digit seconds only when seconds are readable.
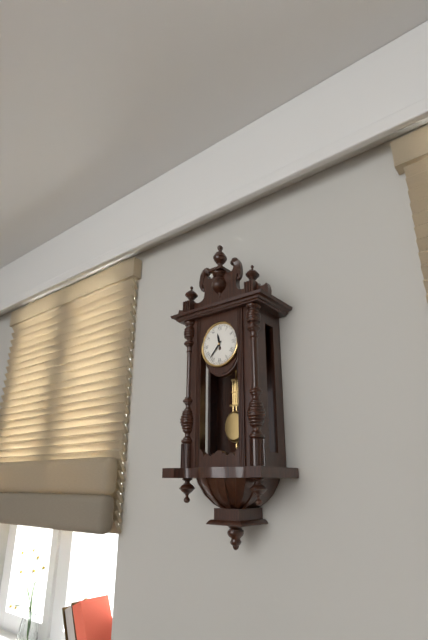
11.37
